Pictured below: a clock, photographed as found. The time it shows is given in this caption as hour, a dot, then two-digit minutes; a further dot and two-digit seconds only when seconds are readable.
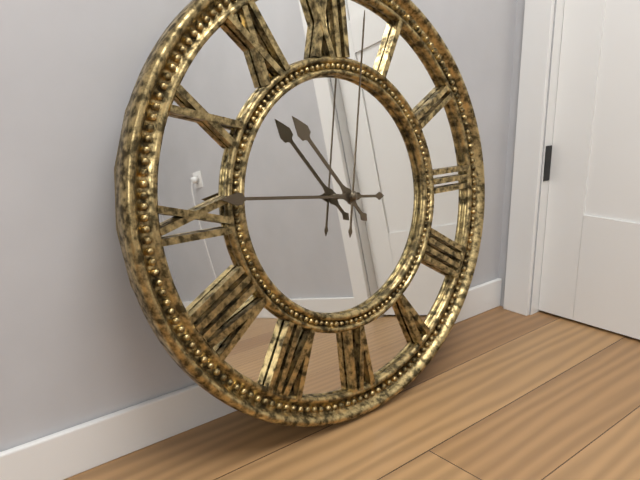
10.46.02
